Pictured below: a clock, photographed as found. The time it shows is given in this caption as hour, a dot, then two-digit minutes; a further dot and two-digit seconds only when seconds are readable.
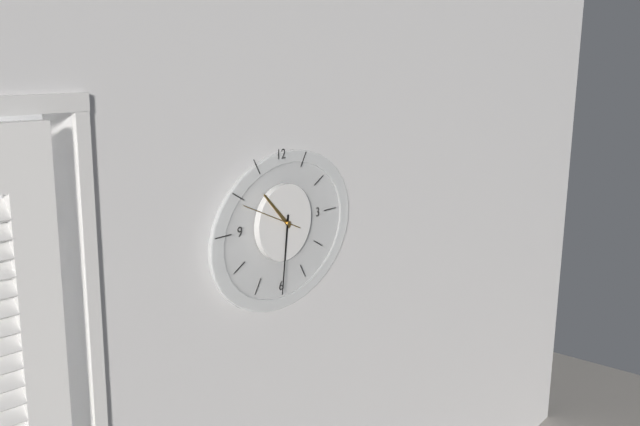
10.31.49
